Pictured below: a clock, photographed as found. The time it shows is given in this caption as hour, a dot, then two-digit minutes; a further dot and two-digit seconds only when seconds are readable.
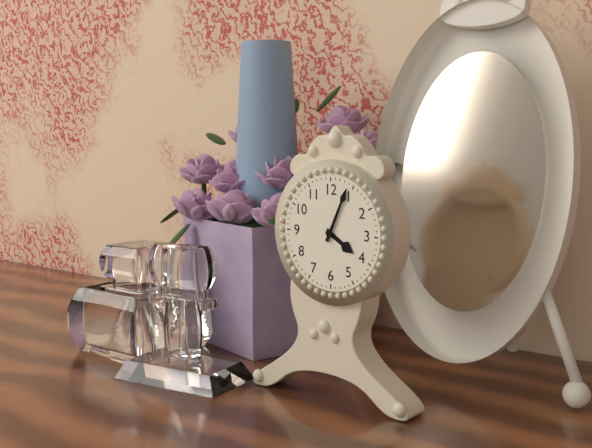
4.04
